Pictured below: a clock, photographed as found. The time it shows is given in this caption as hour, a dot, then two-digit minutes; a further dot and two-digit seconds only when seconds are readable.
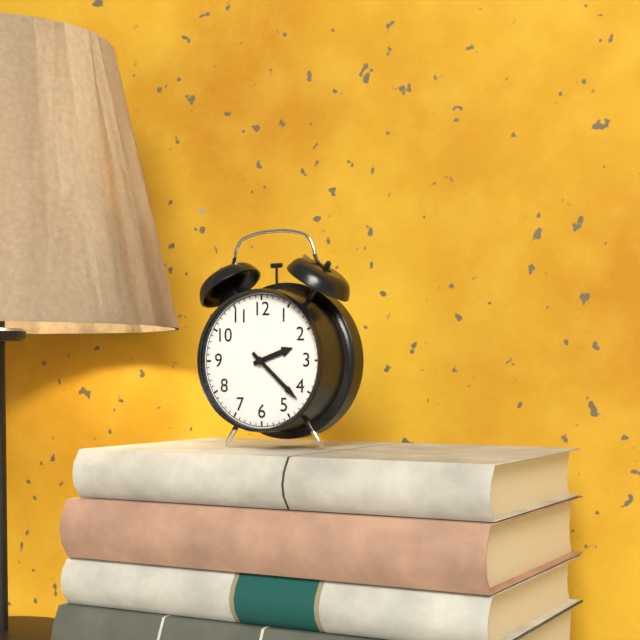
2.22
